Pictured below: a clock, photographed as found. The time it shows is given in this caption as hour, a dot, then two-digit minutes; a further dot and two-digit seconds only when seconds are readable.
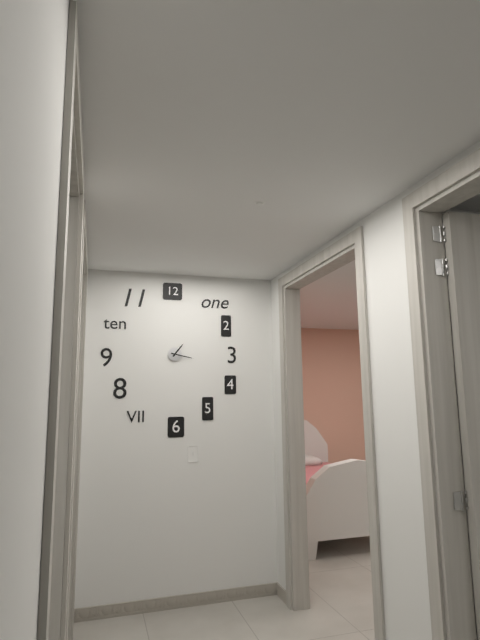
1.17
